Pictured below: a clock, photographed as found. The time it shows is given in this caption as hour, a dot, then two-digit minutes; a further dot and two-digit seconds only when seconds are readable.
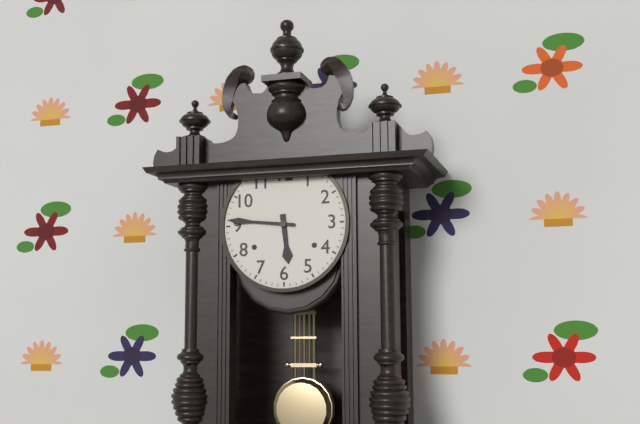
5.46
